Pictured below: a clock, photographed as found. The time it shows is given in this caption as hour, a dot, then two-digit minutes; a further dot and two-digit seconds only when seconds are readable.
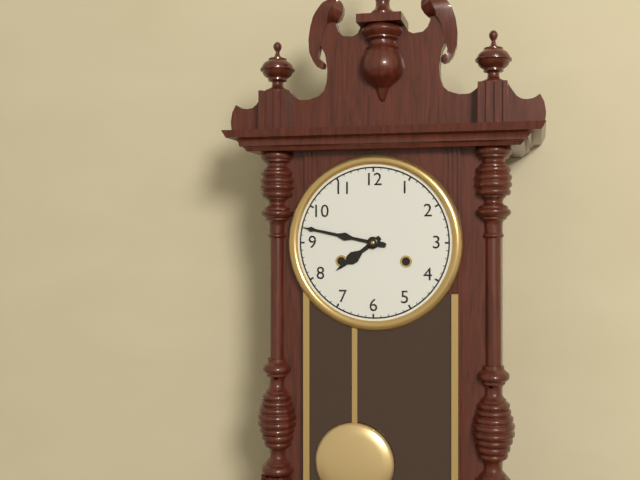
7.47
